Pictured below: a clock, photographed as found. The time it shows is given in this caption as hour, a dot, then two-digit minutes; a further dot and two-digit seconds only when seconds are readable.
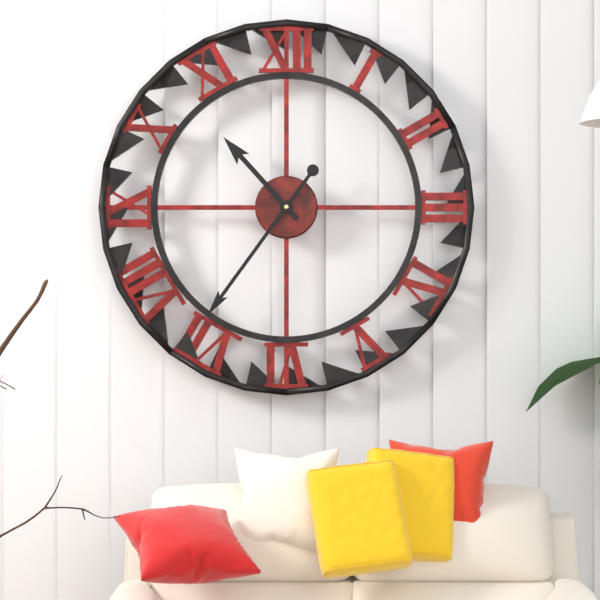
10.36
